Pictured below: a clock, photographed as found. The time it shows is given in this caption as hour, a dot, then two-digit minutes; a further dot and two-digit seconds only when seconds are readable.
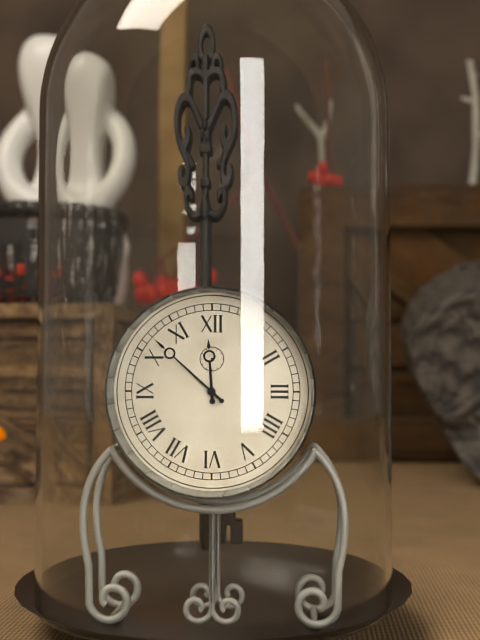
11.52
